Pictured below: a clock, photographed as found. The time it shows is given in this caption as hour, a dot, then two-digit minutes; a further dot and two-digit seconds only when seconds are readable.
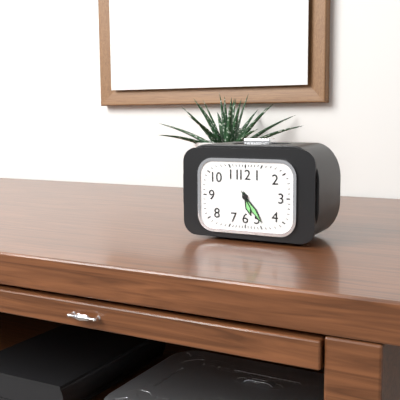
5.24
